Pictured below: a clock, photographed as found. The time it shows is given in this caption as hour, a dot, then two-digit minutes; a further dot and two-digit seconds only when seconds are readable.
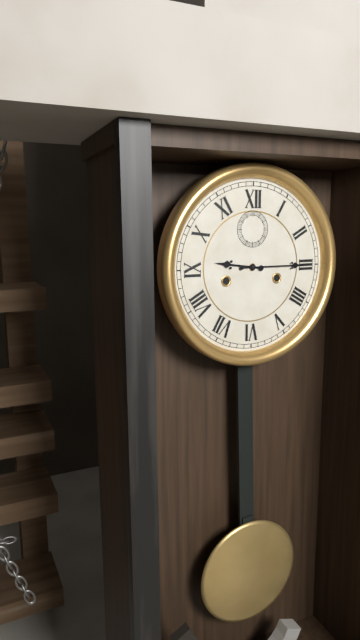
9.15
